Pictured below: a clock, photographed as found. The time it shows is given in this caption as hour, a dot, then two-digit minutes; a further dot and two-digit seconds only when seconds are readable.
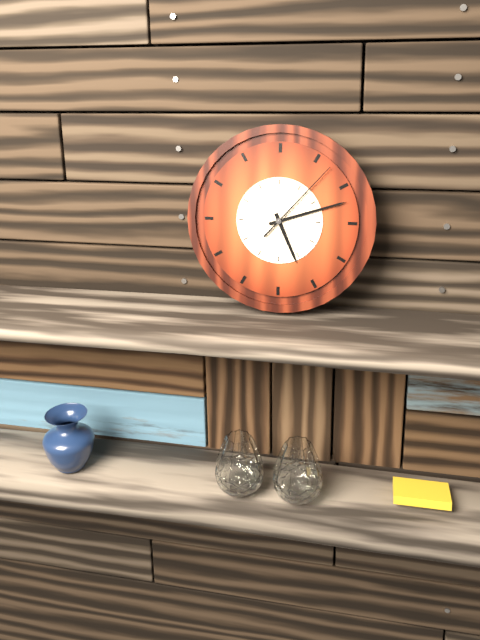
5.12.07
